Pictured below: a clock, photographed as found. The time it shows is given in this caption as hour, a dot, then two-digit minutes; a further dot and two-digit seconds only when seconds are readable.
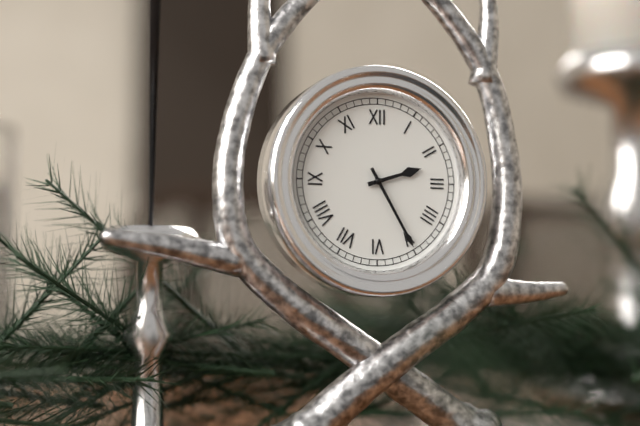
2.25
